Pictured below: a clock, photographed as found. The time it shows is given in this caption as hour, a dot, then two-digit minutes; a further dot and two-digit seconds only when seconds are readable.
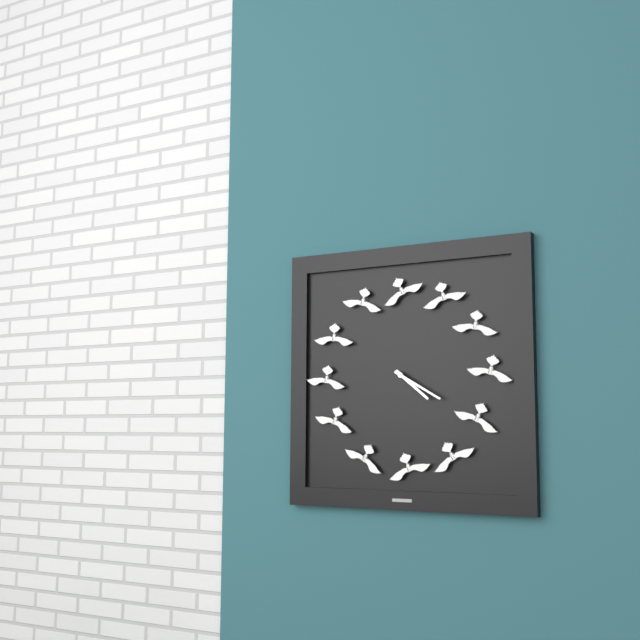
4.20
